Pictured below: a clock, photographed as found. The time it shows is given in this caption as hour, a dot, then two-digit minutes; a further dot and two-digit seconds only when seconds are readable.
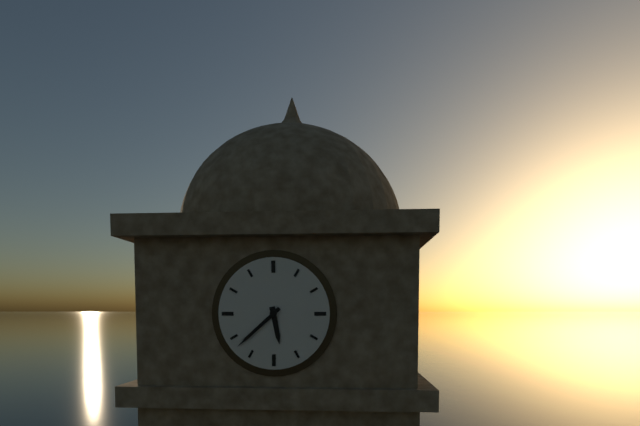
5.38
